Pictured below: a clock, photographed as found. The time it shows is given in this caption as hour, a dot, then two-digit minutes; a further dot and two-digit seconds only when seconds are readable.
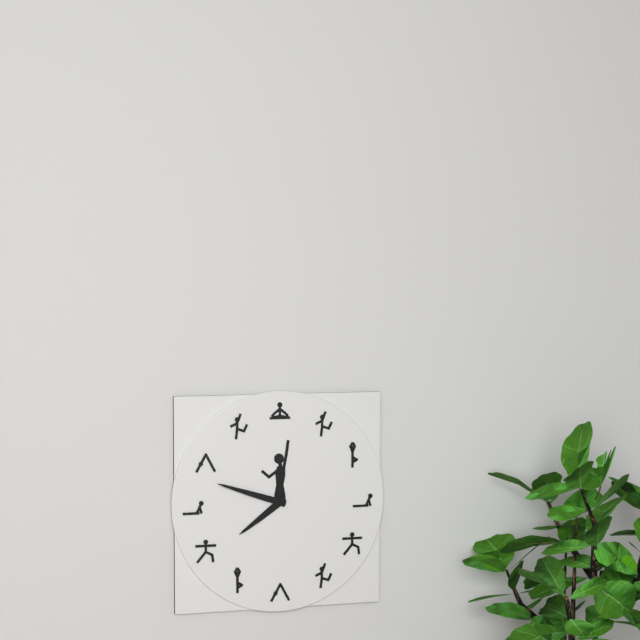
7.48
